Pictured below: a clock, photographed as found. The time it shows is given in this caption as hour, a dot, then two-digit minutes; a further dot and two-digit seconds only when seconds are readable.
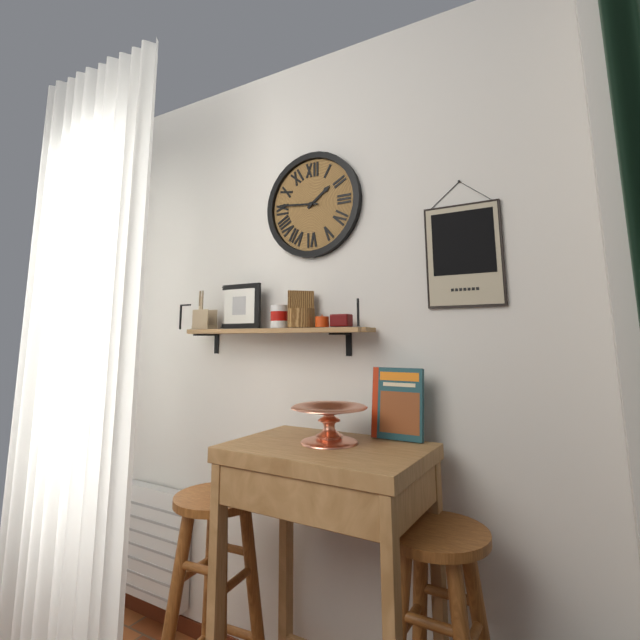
1.46
